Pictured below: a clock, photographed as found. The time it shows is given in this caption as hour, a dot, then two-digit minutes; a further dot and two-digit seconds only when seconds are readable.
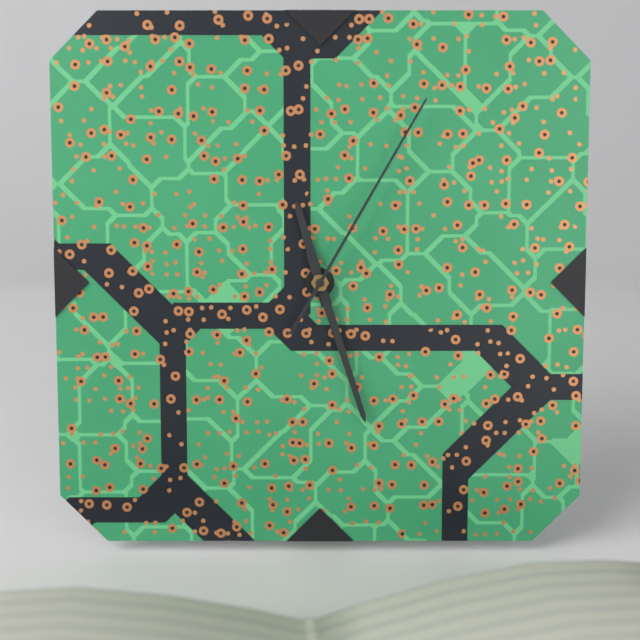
11.27.05
